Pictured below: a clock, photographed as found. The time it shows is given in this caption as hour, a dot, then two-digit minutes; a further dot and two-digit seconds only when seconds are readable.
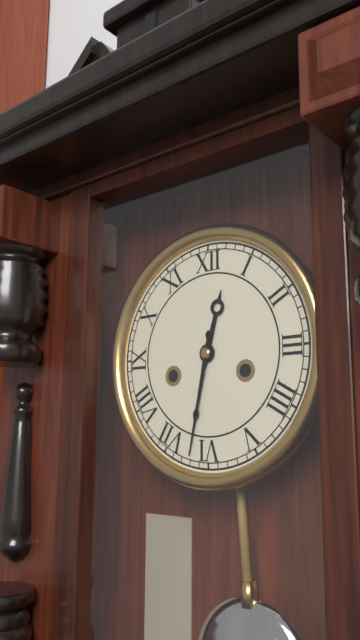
12.32
